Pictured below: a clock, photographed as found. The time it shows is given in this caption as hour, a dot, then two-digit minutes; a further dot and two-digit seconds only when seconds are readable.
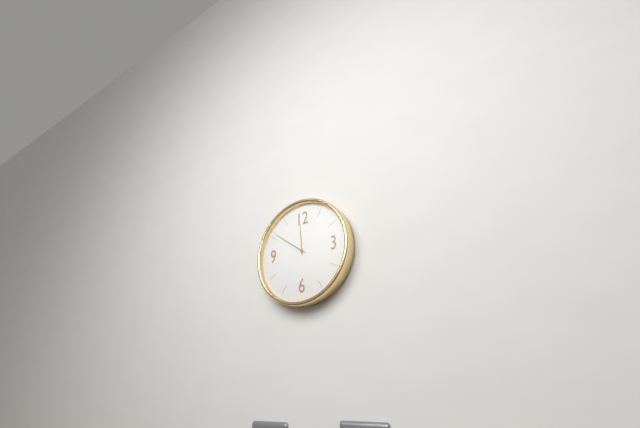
11.51
